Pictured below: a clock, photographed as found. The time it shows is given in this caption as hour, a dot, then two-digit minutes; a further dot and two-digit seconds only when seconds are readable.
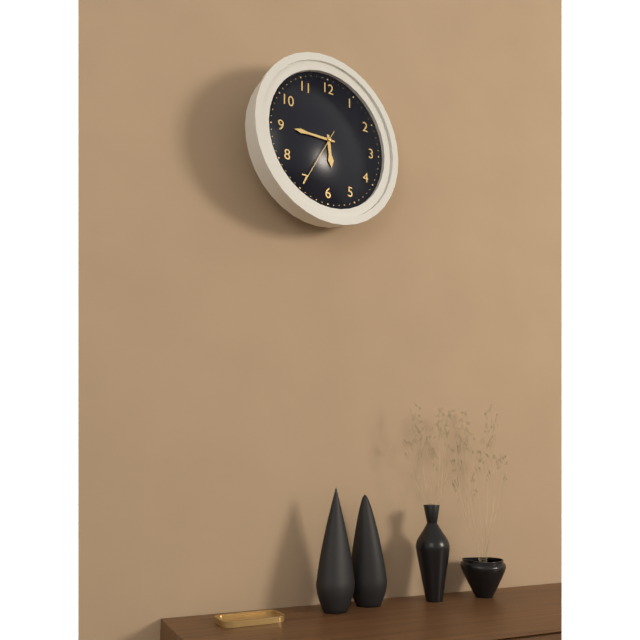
5.45.35
